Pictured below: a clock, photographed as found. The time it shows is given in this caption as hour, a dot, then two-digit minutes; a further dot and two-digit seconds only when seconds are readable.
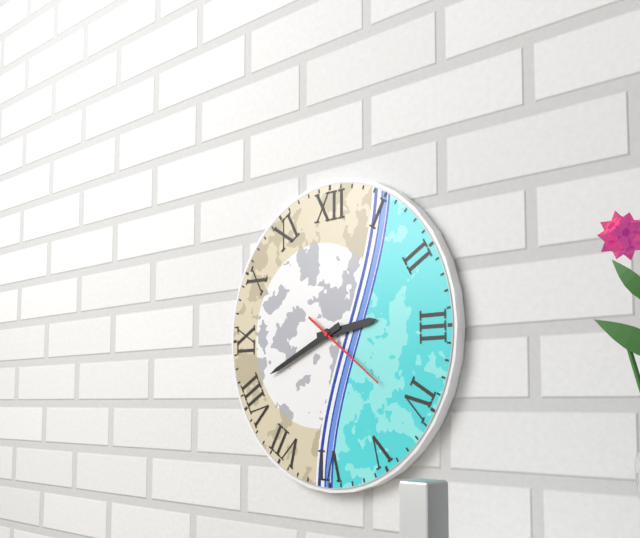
2.41.21
